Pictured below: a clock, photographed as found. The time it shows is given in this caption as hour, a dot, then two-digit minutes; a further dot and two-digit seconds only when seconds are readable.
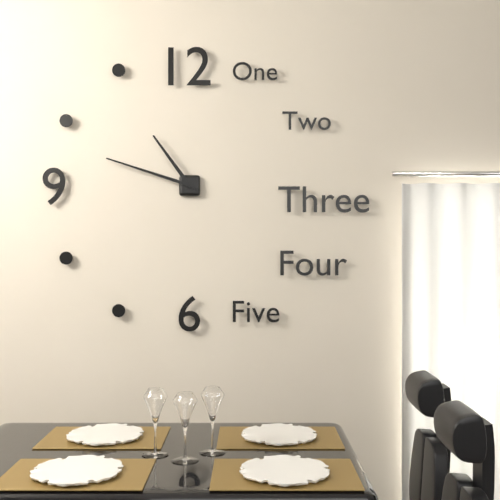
10.48
